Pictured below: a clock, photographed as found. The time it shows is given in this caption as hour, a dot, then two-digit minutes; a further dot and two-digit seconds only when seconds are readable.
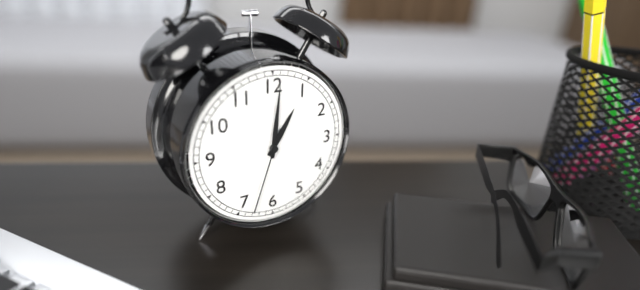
1.01.33
